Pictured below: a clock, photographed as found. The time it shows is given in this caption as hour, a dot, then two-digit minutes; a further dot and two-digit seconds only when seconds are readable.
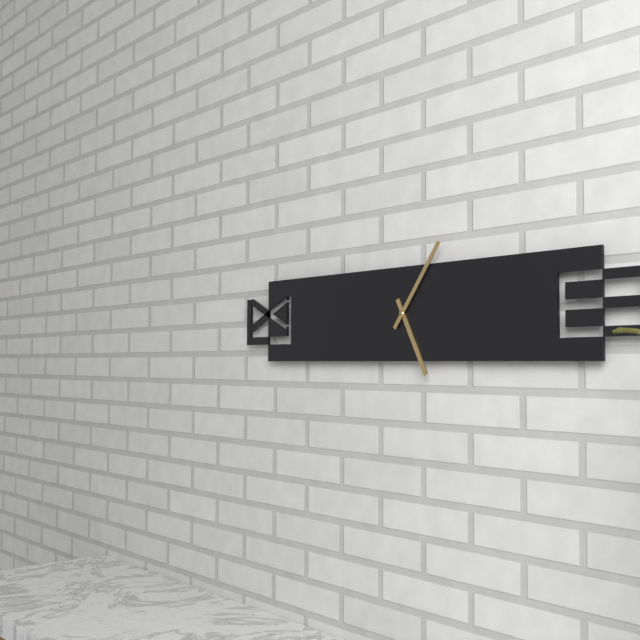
5.06
